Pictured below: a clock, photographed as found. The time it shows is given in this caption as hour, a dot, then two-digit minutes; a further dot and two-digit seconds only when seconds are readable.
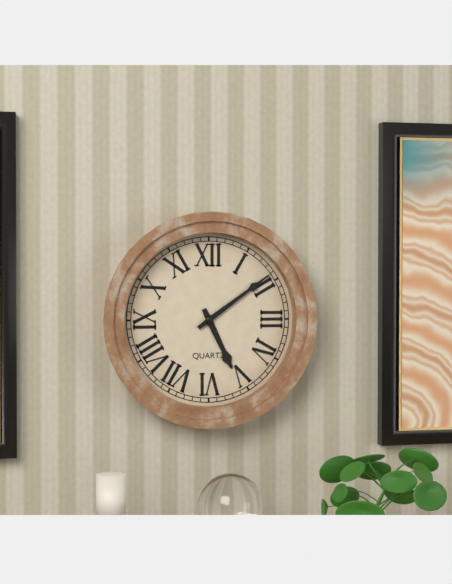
5.09
